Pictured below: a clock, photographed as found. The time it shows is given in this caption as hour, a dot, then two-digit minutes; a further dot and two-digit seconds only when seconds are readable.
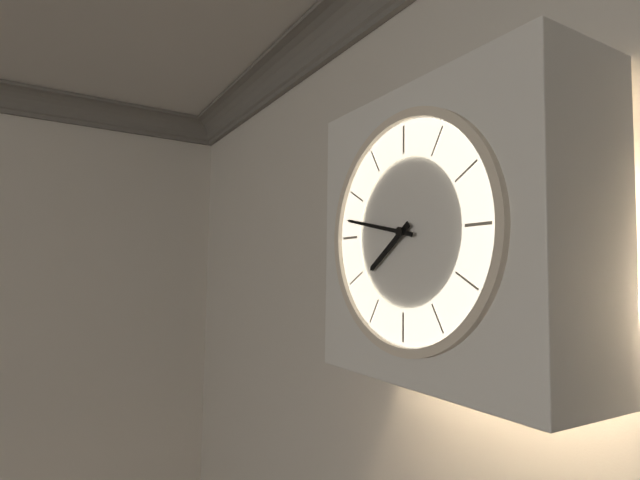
7.47
